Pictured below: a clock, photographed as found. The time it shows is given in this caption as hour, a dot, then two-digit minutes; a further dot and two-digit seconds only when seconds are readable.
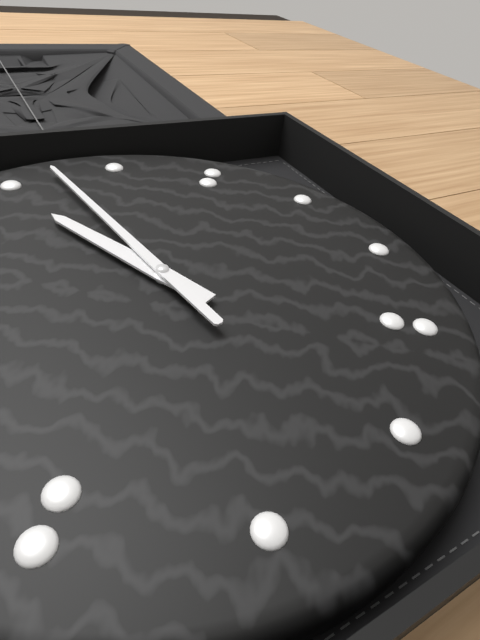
9.52
